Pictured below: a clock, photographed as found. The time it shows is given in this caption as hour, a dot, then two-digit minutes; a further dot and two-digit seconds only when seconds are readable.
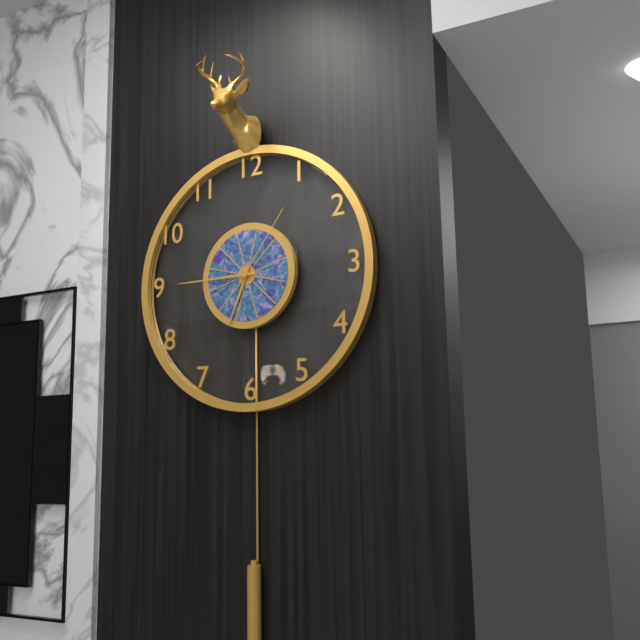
6.45.06
